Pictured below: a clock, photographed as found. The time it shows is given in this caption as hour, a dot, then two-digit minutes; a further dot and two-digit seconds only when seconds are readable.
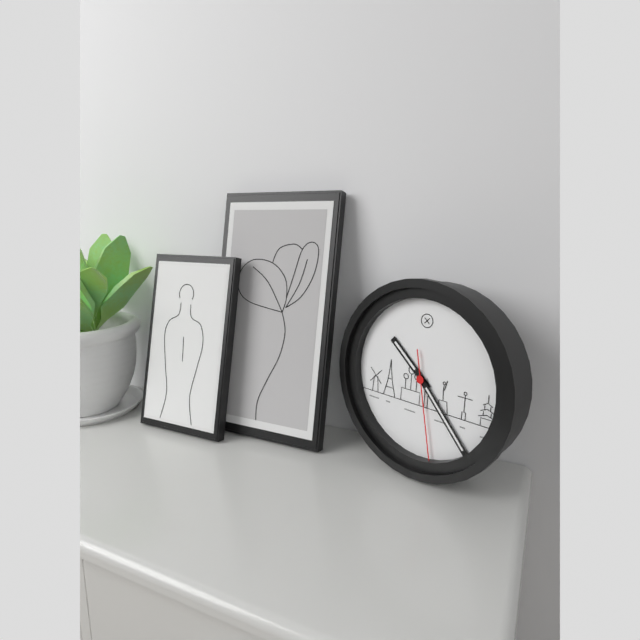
10.23.28
